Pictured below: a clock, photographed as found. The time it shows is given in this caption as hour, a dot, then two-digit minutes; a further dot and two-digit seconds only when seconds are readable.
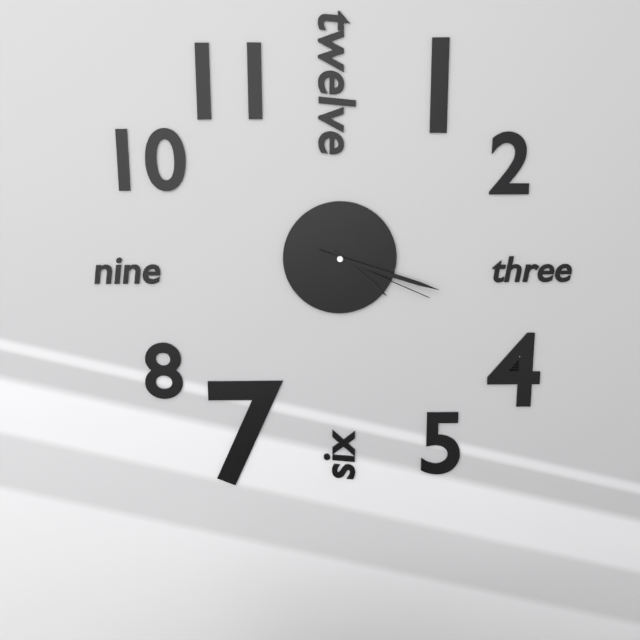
4.18.19
